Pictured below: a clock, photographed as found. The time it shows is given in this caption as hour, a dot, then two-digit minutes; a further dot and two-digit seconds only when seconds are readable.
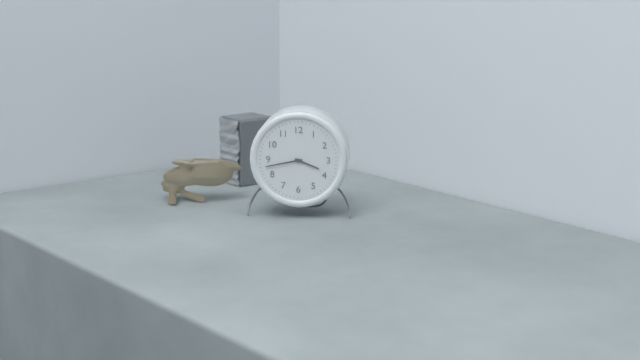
3.43
